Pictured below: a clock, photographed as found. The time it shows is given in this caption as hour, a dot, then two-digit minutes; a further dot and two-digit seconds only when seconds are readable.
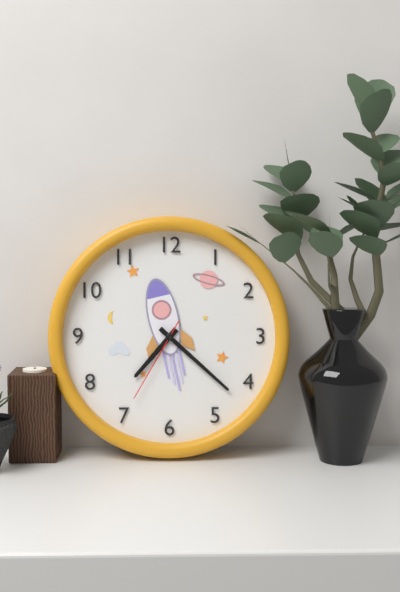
7.22.35
